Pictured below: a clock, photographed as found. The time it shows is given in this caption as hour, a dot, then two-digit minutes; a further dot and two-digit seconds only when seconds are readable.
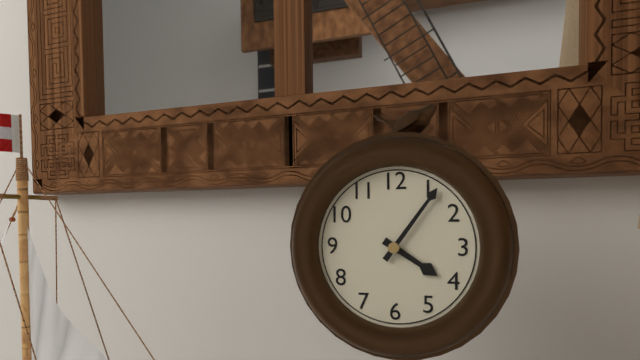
4.06
